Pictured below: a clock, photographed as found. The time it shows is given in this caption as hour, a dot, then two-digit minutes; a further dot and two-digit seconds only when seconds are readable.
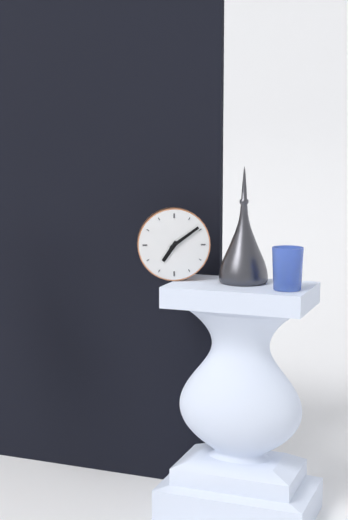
7.09
